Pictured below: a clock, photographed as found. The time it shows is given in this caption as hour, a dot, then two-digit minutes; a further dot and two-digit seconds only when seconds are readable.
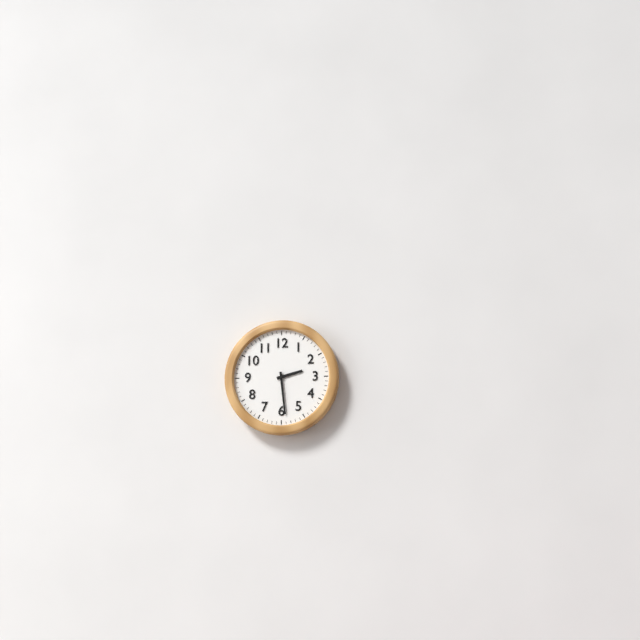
2.29
